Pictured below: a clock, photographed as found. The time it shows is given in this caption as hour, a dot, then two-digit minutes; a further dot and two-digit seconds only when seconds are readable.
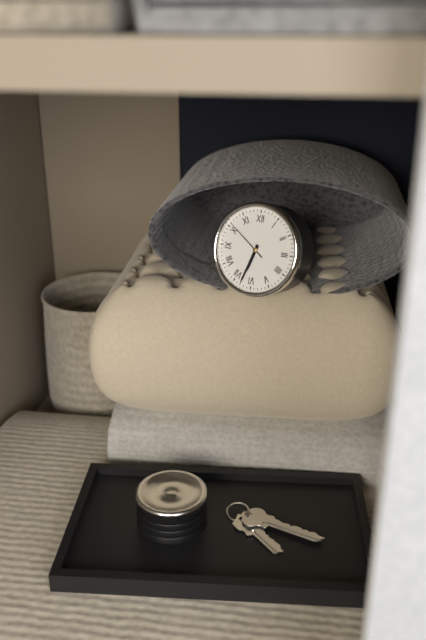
6.33
